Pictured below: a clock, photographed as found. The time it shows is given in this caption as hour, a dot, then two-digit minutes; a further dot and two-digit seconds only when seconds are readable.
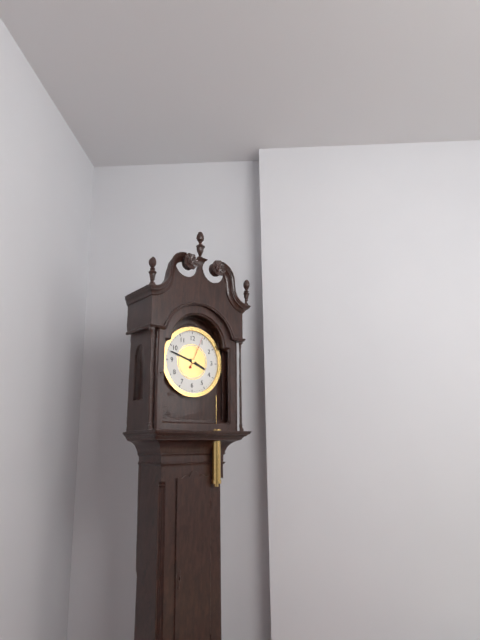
3.48
